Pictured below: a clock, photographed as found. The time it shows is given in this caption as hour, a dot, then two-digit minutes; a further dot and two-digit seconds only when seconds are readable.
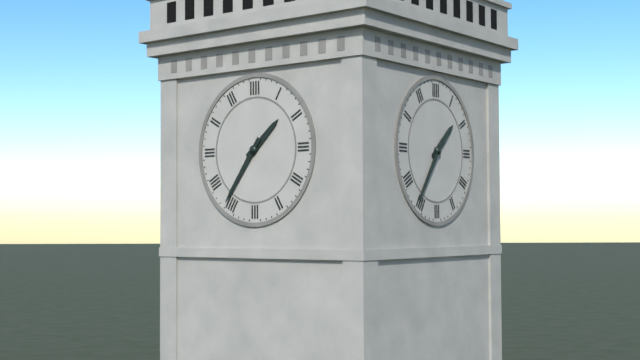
1.36
